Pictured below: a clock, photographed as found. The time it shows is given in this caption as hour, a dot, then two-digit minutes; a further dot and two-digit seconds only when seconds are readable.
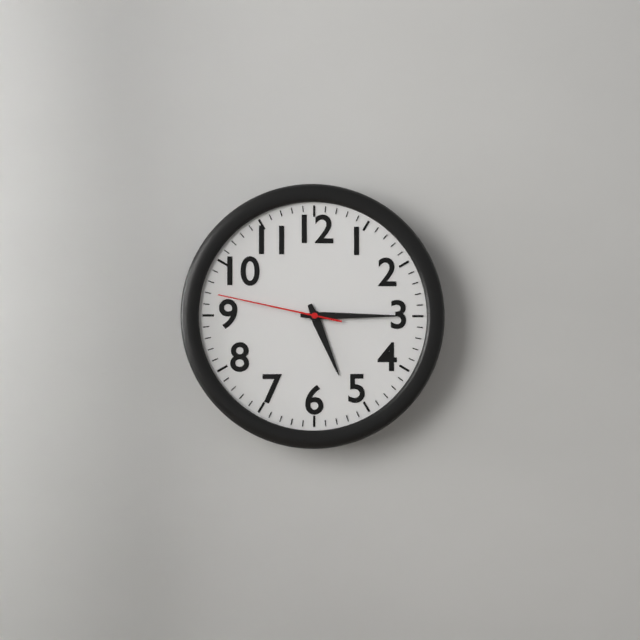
5.15.47
